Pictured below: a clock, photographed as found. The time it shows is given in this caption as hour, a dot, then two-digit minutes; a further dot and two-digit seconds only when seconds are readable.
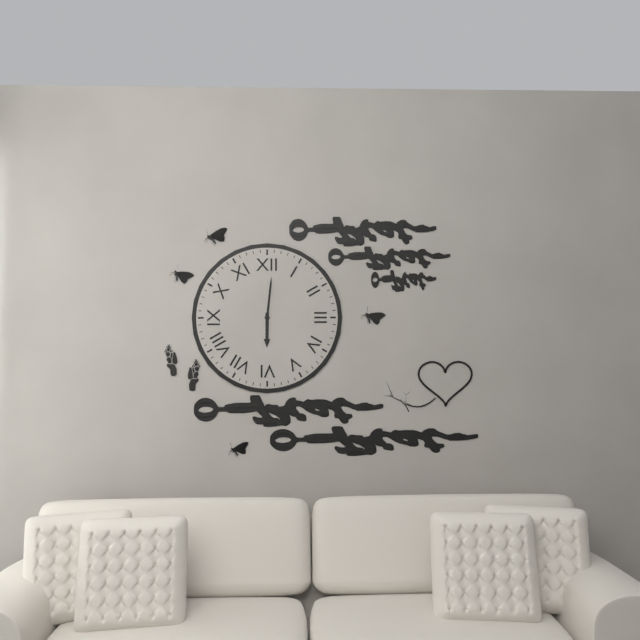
6.01
